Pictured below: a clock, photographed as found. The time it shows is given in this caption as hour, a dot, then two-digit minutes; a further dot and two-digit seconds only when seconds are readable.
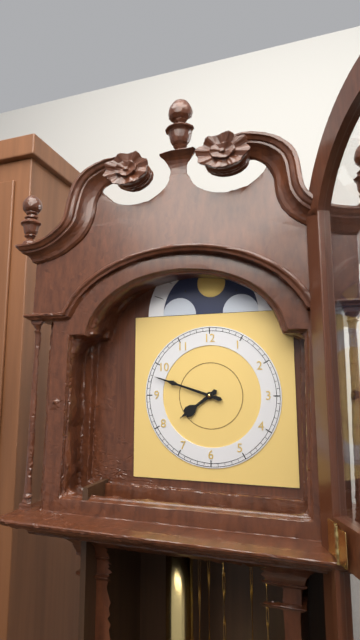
7.48
